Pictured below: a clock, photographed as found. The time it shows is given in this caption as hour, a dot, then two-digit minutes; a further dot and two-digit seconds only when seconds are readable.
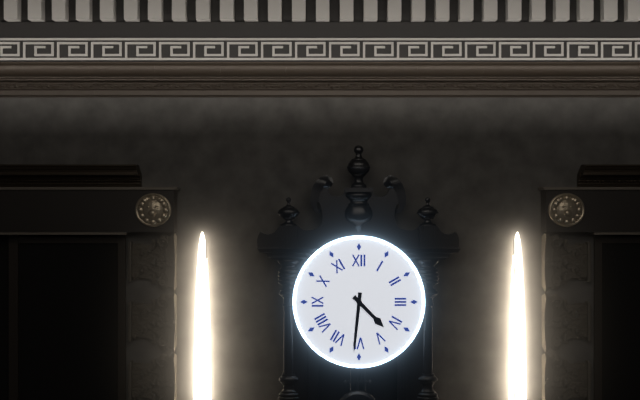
4.31
